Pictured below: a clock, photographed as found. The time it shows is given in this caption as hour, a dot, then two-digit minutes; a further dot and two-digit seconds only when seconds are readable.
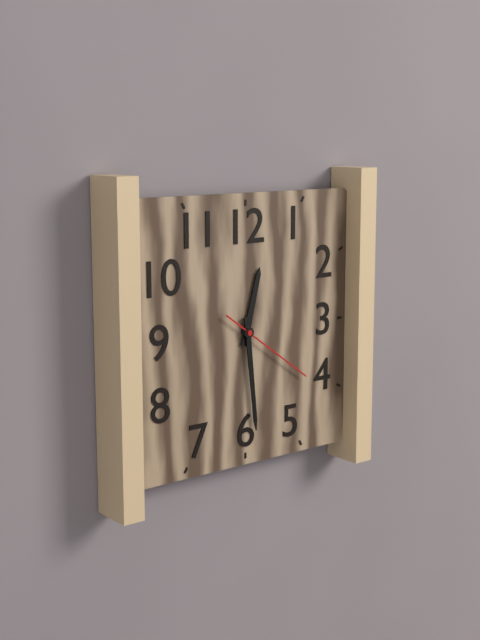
12.29.21
